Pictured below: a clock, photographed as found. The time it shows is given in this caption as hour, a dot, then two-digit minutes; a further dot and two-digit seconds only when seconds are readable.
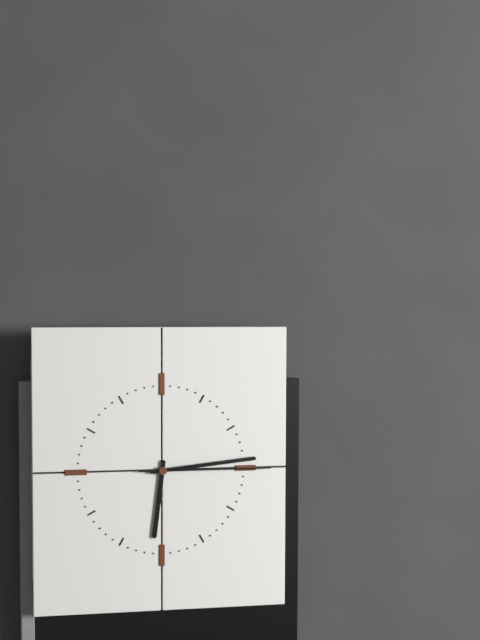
6.14.15
